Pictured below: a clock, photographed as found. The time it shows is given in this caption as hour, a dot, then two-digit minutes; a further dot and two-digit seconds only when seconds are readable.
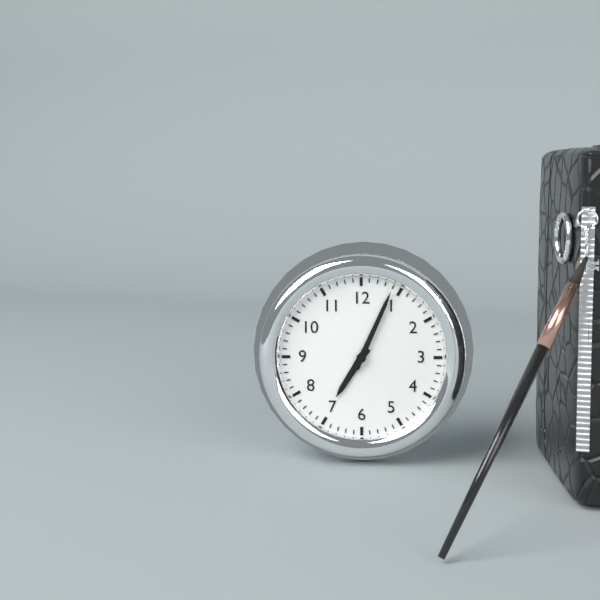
7.04
